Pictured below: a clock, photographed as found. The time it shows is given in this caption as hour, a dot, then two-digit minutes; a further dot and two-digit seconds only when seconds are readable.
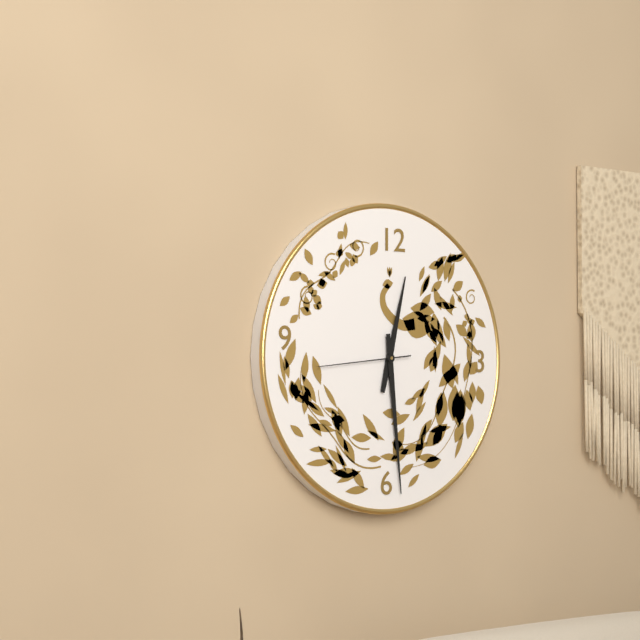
12.29.44
